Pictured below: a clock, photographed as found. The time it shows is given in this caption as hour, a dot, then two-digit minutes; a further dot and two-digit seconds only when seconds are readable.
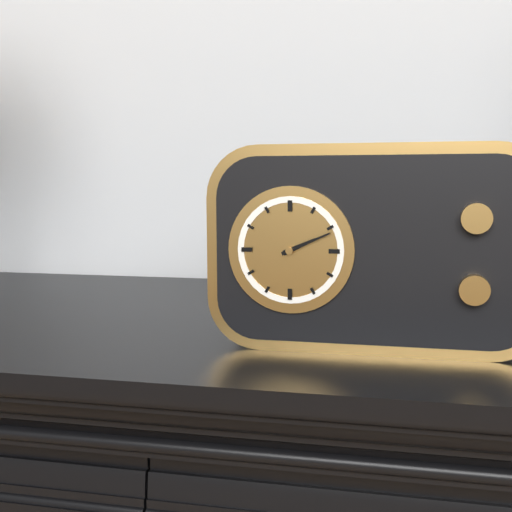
2.11
